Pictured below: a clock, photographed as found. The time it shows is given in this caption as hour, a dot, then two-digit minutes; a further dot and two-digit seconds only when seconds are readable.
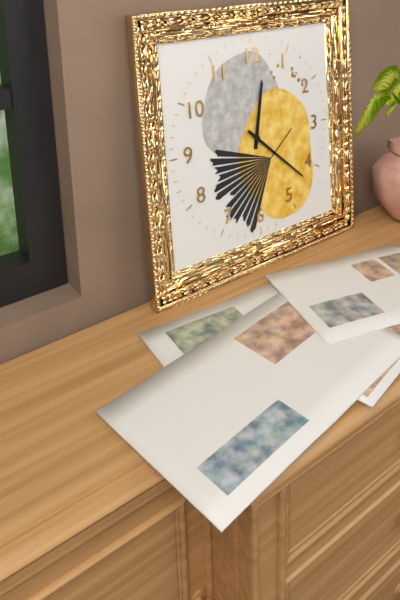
12.22
